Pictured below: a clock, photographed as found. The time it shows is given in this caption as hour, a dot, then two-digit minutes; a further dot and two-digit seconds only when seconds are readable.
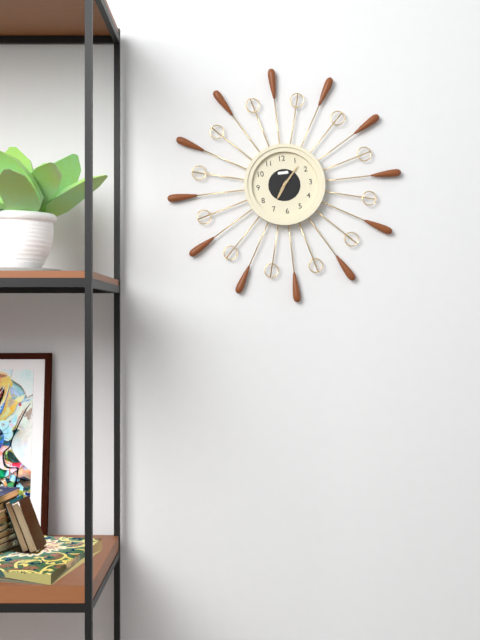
7.07
